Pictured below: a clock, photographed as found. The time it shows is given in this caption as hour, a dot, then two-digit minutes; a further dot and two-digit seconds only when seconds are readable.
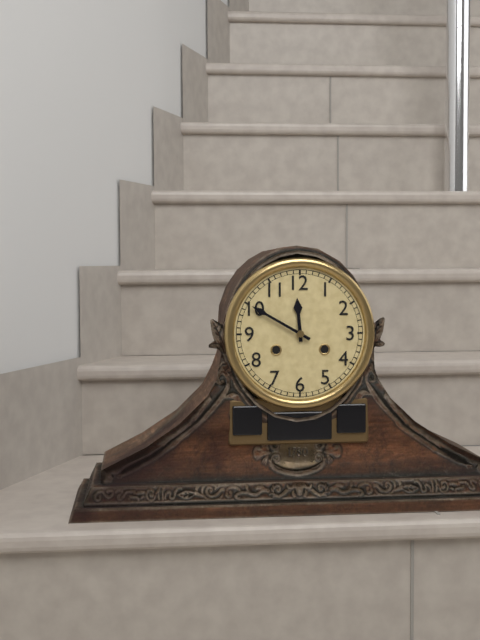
11.50
